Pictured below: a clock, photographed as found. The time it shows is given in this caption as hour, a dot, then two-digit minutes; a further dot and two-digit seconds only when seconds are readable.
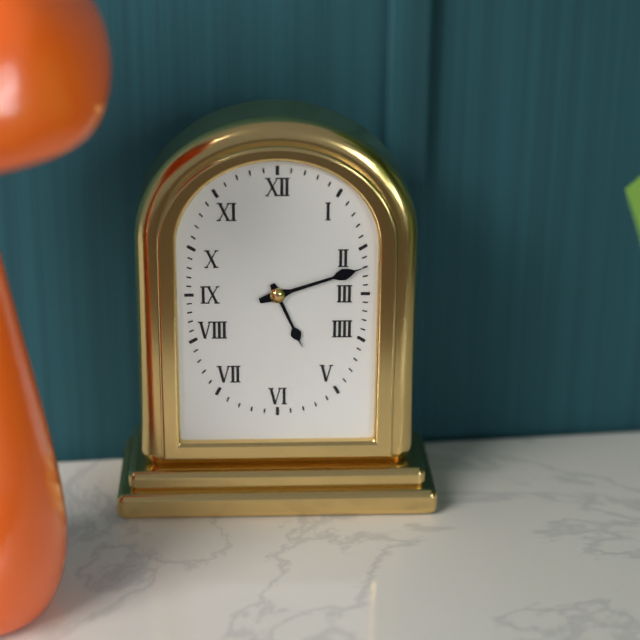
5.12
